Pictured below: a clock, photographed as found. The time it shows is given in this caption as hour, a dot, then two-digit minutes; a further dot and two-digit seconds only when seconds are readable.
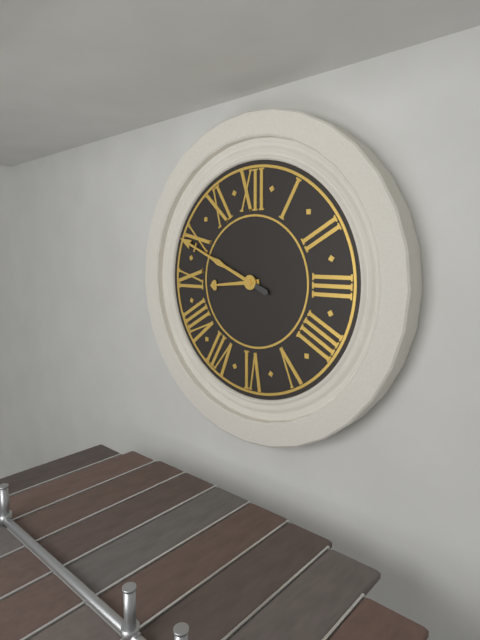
8.49
